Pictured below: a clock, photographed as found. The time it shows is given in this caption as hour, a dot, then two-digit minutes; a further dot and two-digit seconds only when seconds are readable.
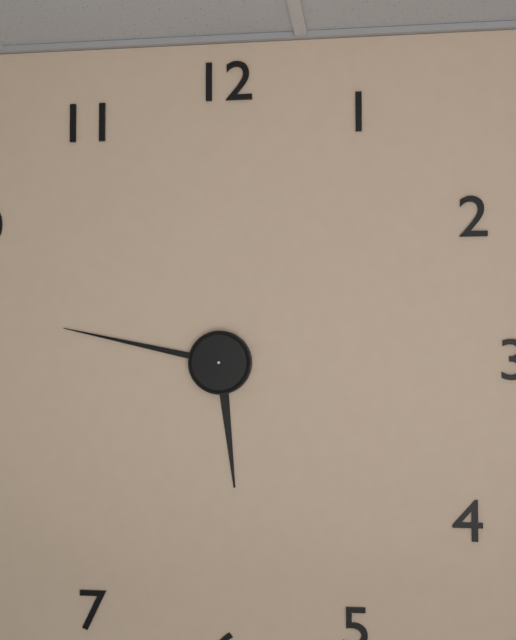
5.47
